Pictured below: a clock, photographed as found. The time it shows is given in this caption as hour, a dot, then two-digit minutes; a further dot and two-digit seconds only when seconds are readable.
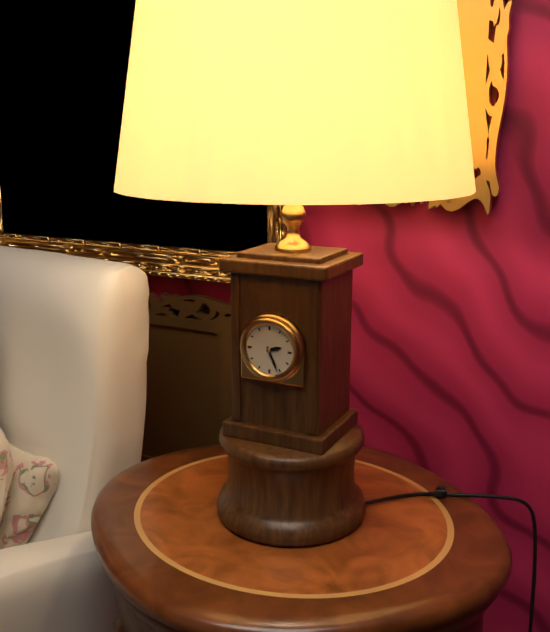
2.26
